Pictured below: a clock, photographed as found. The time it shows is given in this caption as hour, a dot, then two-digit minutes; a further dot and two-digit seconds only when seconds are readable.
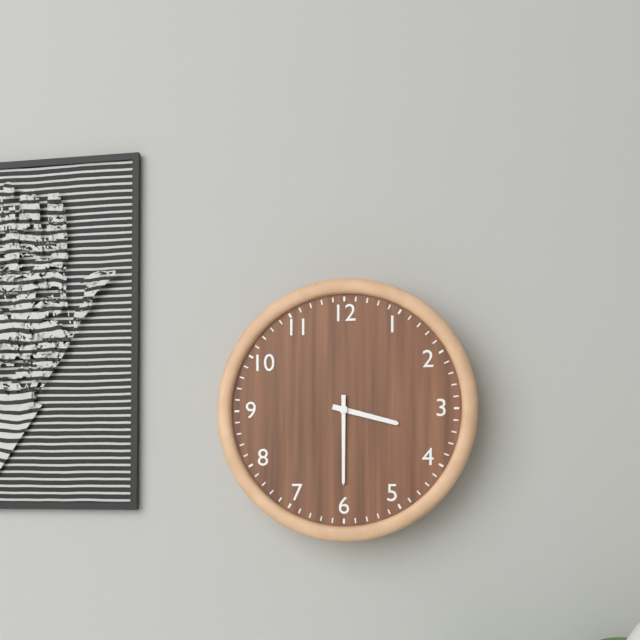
3.30
